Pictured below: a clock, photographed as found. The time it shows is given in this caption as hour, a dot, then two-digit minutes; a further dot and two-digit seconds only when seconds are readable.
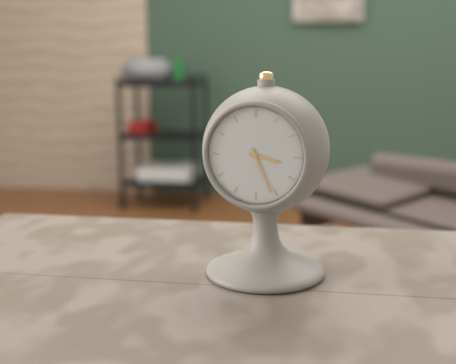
3.26
